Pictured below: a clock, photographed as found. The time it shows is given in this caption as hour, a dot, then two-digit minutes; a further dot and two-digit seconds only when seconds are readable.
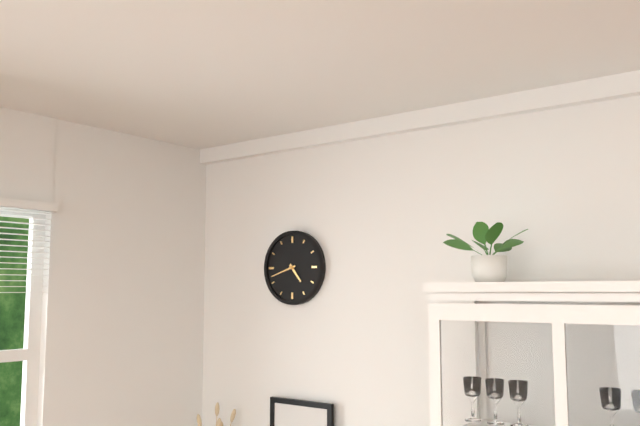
4.42
